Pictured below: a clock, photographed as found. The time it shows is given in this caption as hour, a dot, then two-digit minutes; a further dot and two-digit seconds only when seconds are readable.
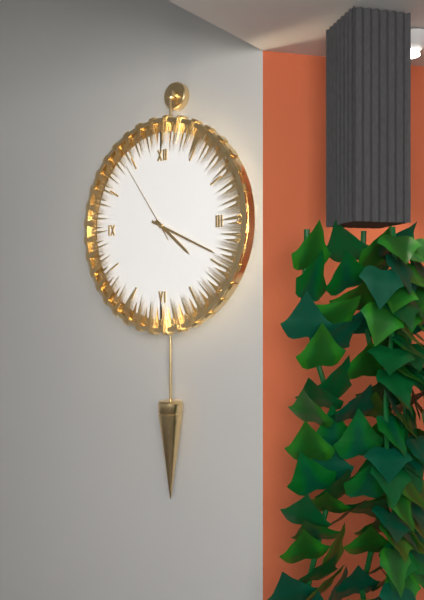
4.19.54
